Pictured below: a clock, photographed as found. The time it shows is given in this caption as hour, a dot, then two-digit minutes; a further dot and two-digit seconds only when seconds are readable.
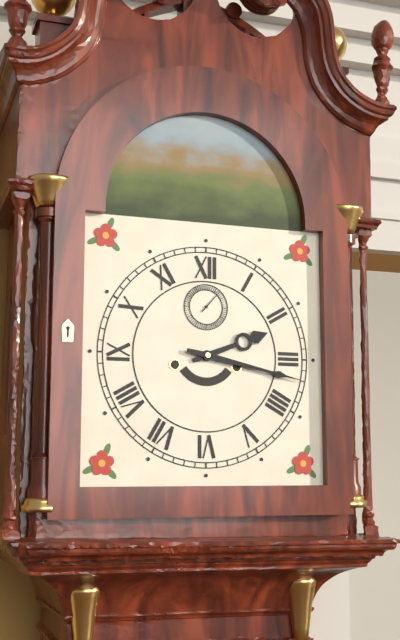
2.17
